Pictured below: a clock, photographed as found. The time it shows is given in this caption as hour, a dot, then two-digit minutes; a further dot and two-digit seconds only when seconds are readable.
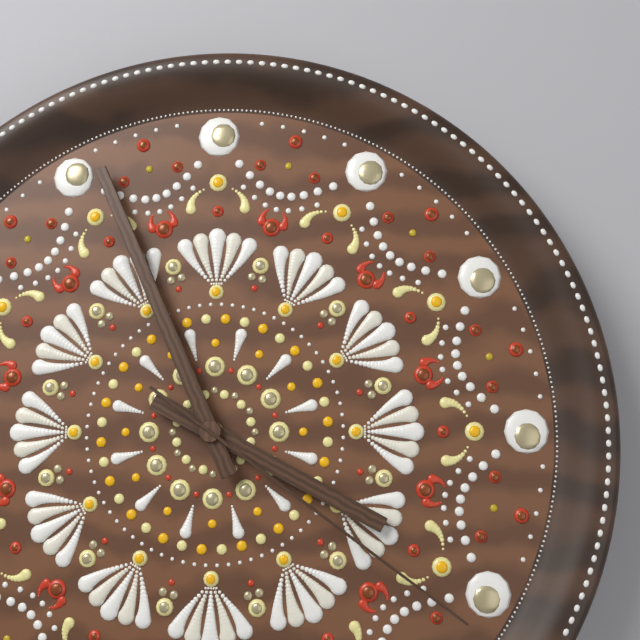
3.56.21
